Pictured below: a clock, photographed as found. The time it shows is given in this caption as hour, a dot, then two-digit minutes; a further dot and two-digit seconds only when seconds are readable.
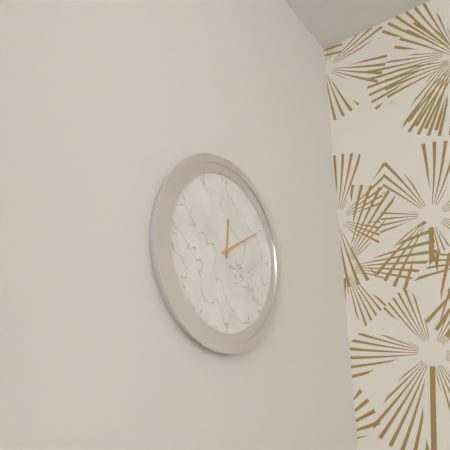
12.10
